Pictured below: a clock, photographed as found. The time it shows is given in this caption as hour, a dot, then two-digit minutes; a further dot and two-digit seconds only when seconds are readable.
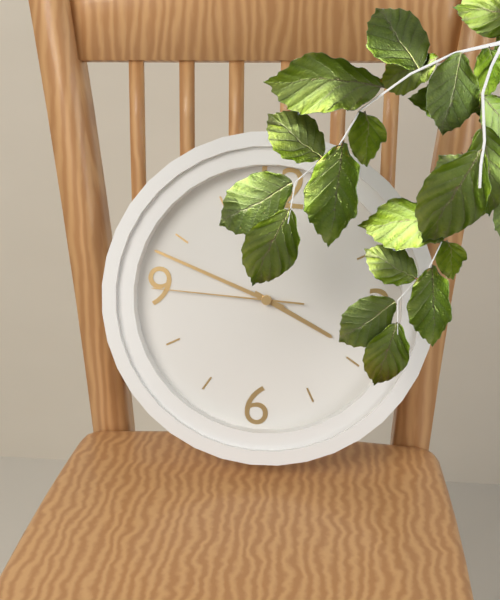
3.48.45
